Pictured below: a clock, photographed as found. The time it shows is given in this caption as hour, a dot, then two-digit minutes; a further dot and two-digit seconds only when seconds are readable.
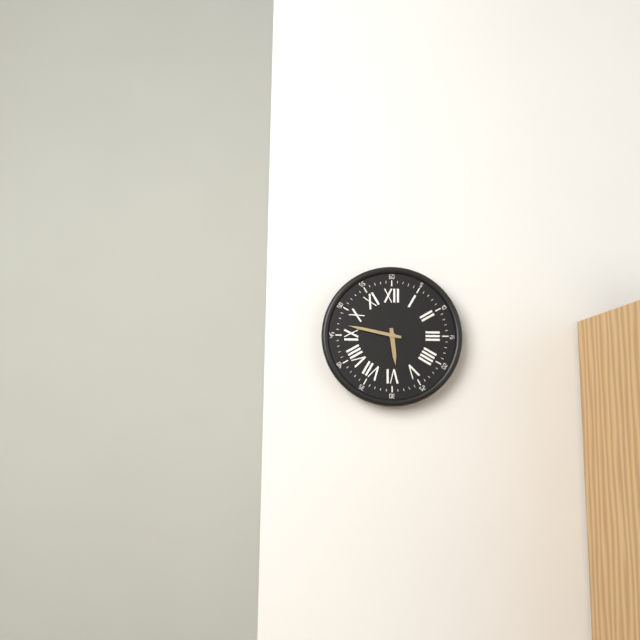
5.47
